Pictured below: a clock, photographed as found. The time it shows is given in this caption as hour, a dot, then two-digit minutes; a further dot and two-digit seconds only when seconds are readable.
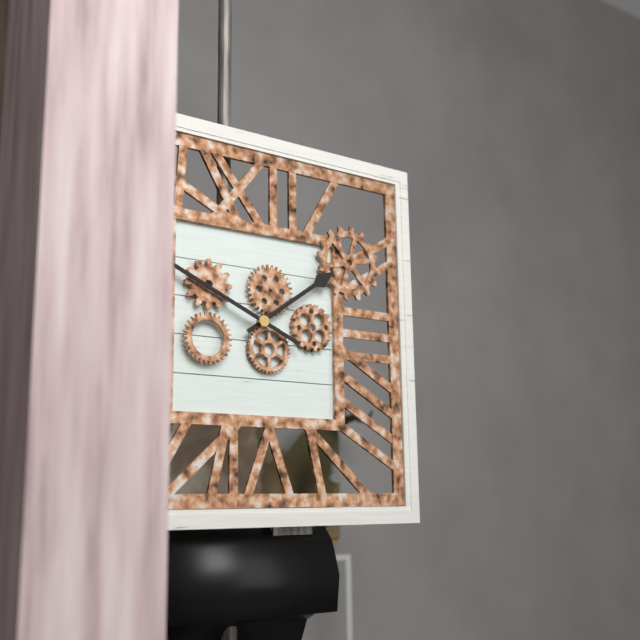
1.49
